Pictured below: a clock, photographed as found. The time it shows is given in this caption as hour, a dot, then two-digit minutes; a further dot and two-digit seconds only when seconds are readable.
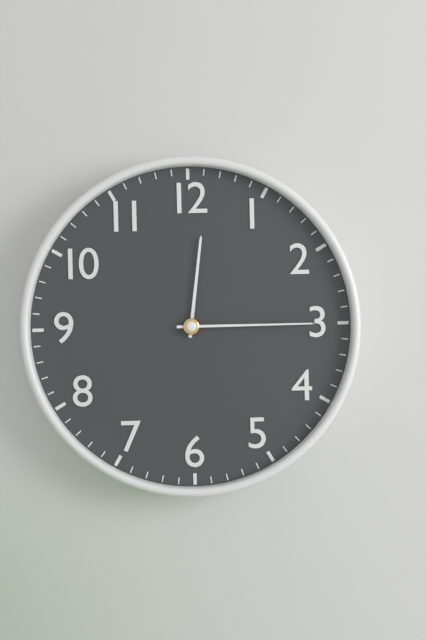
12.15
